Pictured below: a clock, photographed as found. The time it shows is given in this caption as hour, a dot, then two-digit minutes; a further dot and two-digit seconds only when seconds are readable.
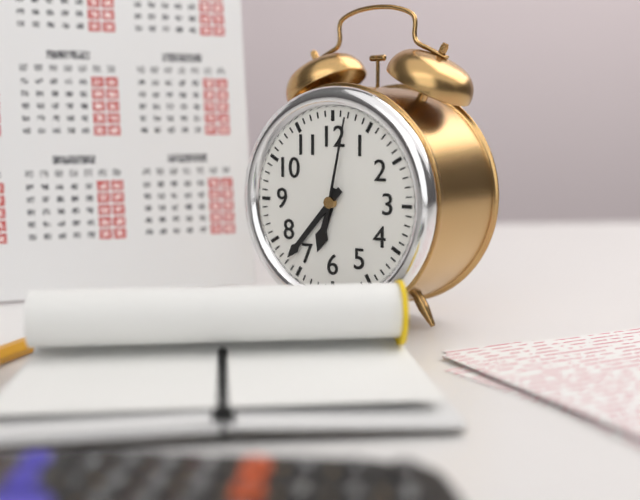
6.37.02
